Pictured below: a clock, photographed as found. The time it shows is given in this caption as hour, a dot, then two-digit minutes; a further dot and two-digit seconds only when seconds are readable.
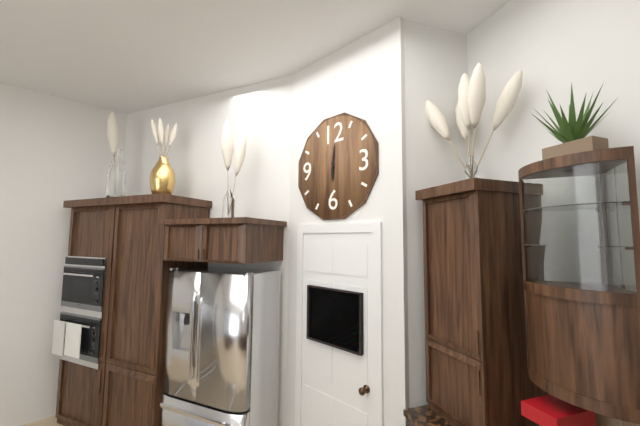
6.01
